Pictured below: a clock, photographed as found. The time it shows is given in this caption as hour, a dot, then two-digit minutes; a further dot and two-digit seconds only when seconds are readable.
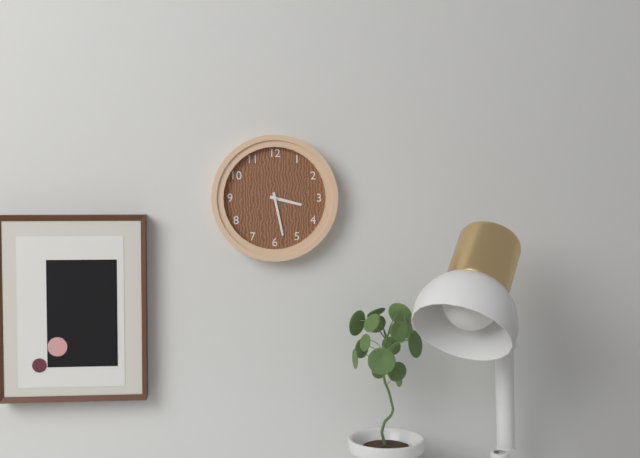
3.28
